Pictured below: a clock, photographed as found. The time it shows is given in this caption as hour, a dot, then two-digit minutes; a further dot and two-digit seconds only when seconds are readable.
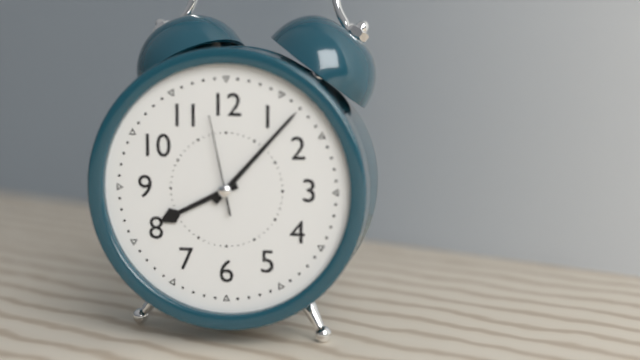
8.07.58
